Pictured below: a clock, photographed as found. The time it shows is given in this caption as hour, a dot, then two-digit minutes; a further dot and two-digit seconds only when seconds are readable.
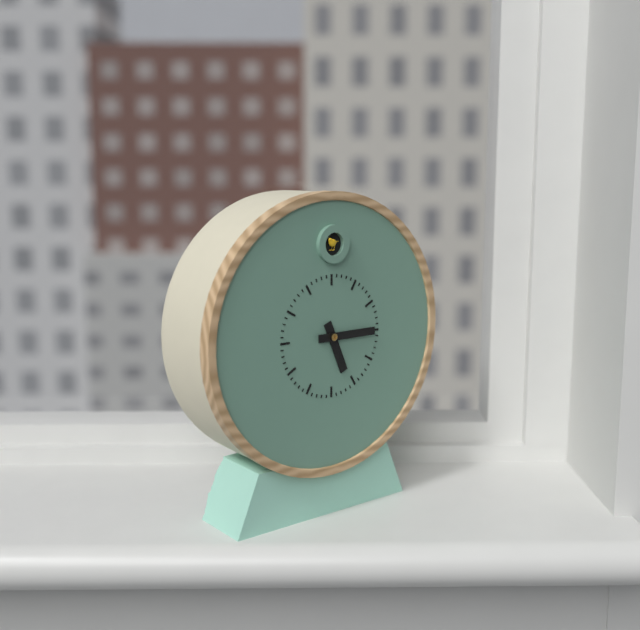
5.15
